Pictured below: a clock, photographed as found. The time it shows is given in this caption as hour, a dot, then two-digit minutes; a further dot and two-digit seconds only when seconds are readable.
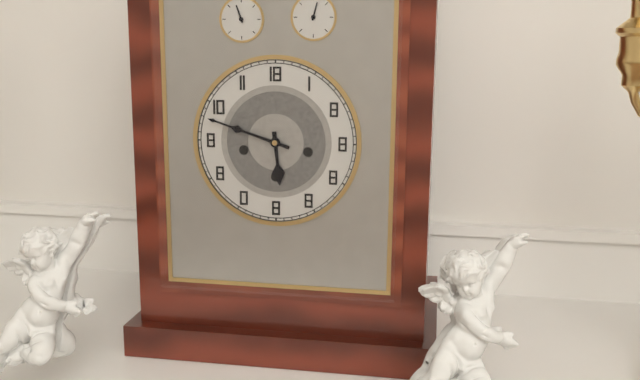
5.48
